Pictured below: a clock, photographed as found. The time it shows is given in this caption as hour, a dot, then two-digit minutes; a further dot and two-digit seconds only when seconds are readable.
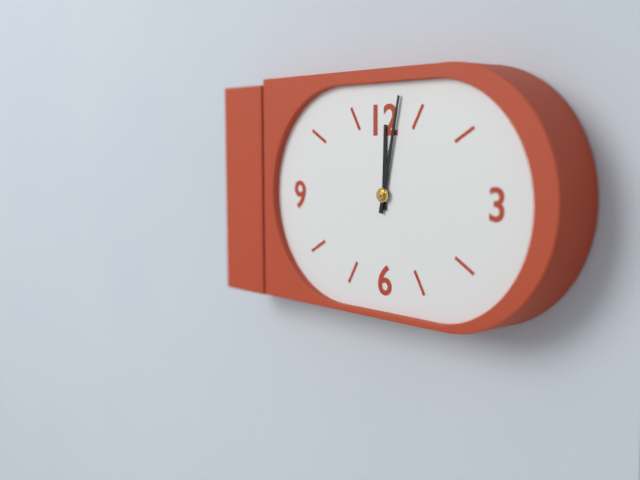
12.02
